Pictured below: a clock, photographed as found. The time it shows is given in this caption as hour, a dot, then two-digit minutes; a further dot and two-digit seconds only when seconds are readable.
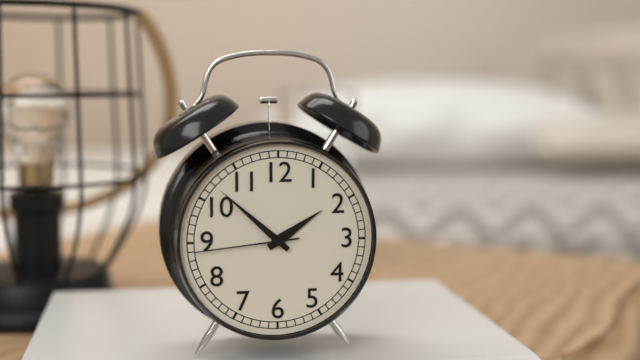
1.52.44
